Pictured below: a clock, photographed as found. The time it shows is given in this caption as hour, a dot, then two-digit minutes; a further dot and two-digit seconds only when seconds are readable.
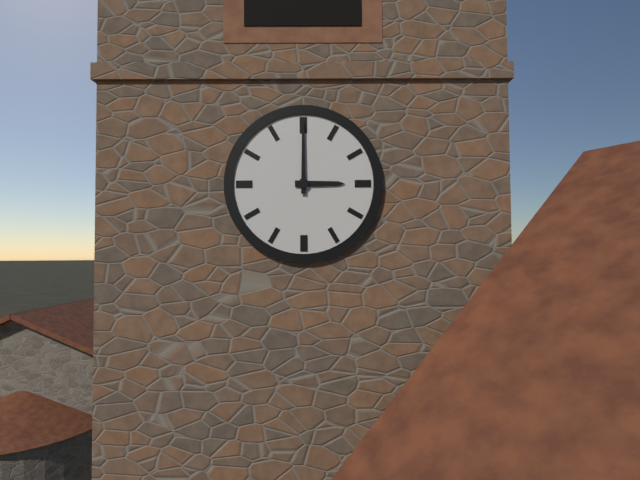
3.00
